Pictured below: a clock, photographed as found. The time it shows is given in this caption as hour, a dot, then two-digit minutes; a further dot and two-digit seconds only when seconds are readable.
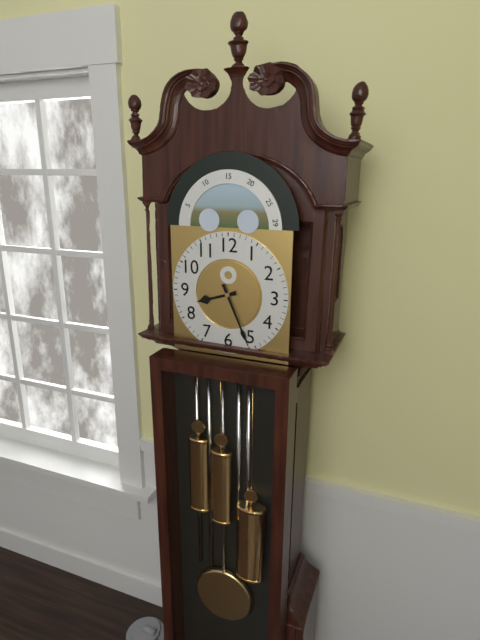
8.26
